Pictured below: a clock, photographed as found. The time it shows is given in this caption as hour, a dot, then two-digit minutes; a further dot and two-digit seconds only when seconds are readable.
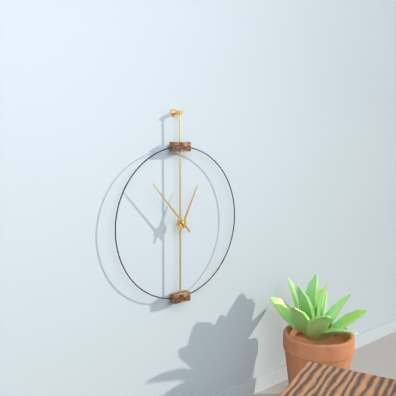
12.53
